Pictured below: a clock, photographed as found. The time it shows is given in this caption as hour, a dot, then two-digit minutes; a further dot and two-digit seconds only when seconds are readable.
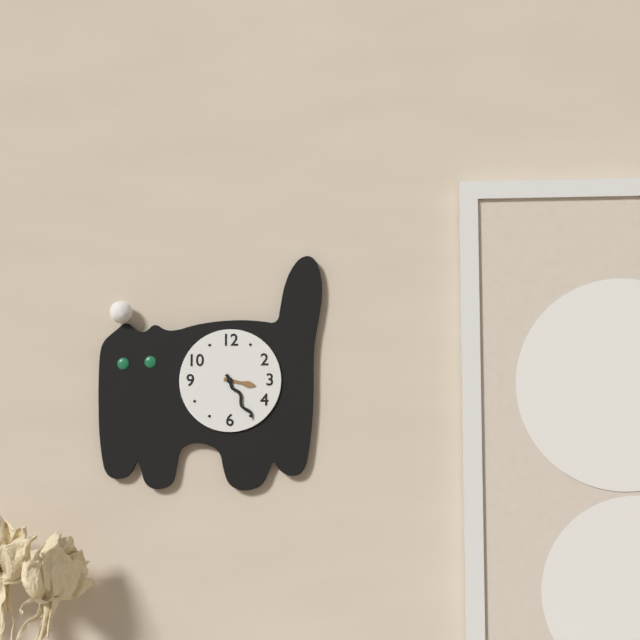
3.25
